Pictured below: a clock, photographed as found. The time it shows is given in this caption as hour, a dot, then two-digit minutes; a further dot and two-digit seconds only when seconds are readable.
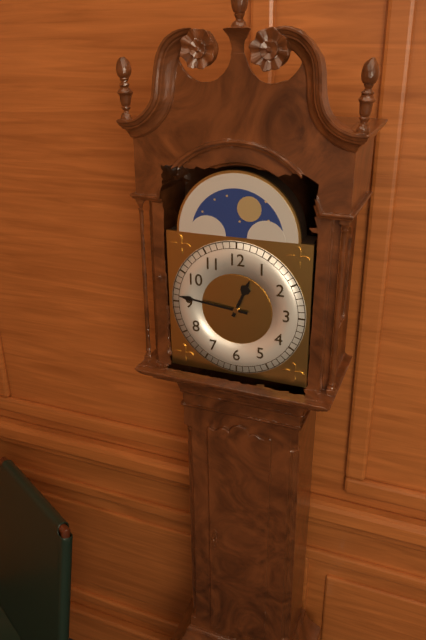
12.46
